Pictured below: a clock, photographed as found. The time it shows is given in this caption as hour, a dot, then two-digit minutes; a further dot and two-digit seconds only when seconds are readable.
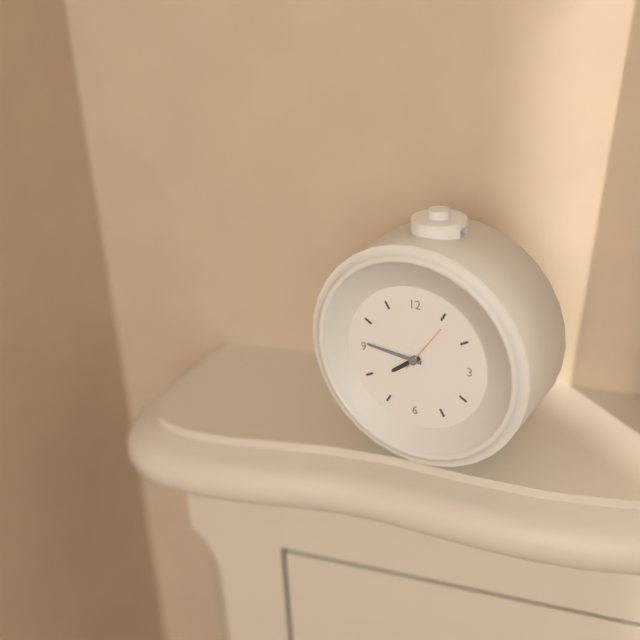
7.46.06
